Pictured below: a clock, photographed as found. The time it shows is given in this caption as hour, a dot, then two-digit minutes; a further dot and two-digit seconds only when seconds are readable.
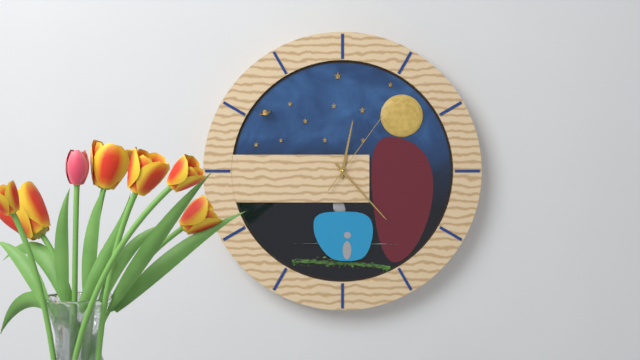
12.23.06
